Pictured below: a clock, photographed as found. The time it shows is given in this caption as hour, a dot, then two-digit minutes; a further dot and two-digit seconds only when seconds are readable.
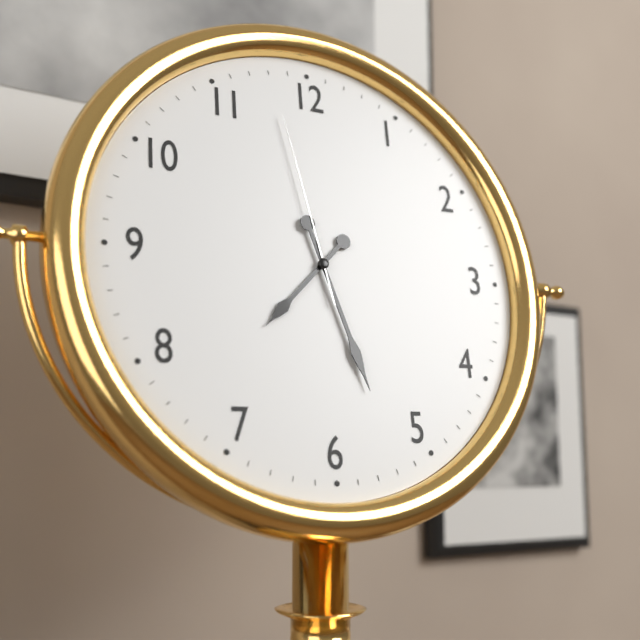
7.27.58
